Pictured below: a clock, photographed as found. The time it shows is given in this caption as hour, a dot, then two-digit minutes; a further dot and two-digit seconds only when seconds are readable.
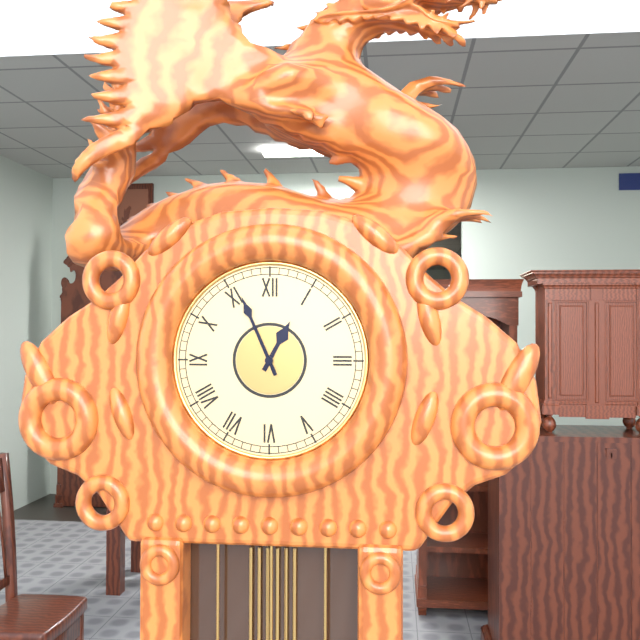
12.56
